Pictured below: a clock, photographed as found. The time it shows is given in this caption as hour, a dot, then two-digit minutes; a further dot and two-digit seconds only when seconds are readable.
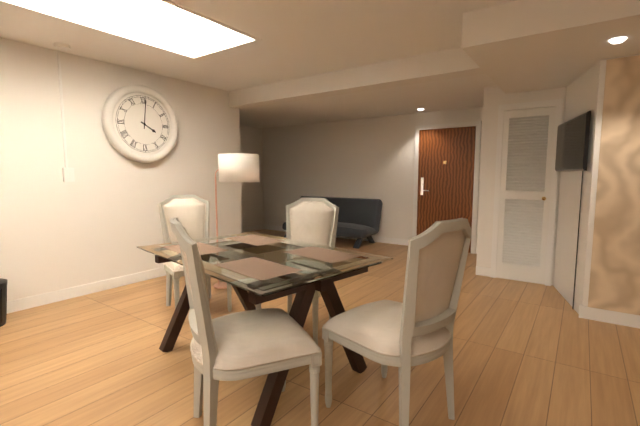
4.01
